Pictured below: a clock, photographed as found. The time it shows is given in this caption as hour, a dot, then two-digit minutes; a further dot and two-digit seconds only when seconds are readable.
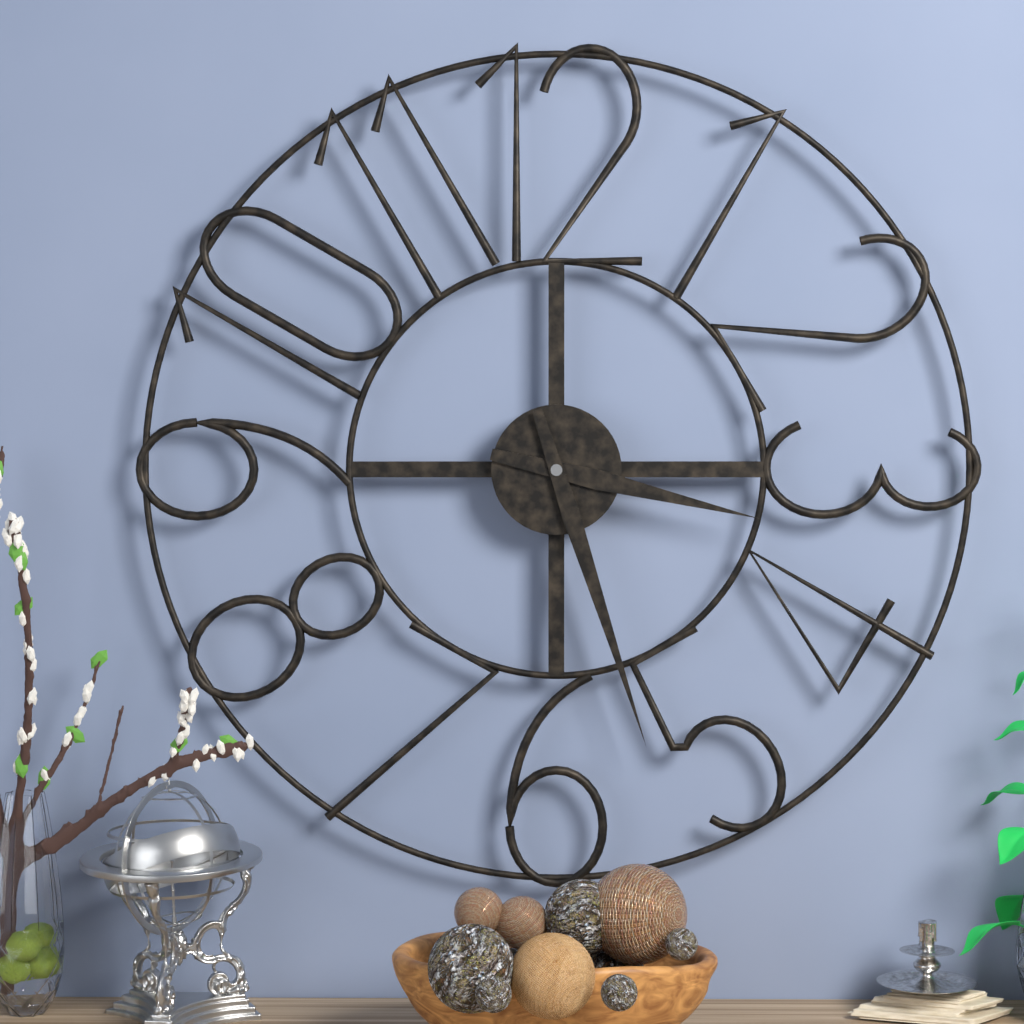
3.27
